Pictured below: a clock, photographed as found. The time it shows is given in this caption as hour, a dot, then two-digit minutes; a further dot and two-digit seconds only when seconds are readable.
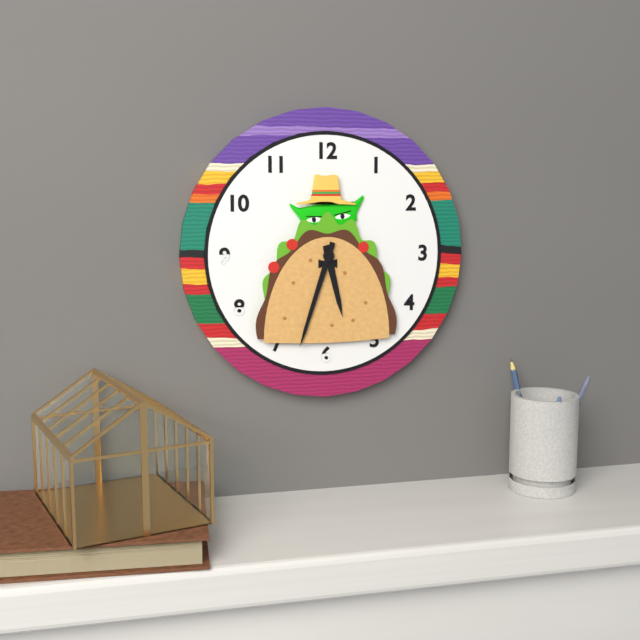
5.33
